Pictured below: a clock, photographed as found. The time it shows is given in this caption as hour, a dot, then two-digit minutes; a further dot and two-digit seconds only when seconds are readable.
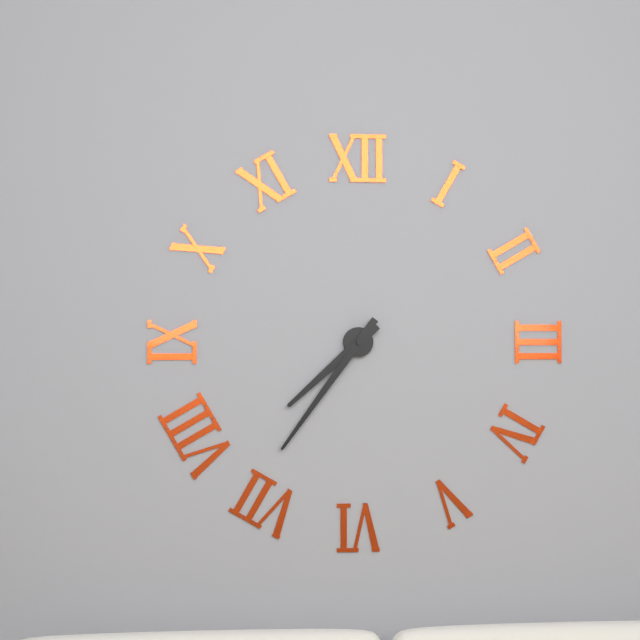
7.36
